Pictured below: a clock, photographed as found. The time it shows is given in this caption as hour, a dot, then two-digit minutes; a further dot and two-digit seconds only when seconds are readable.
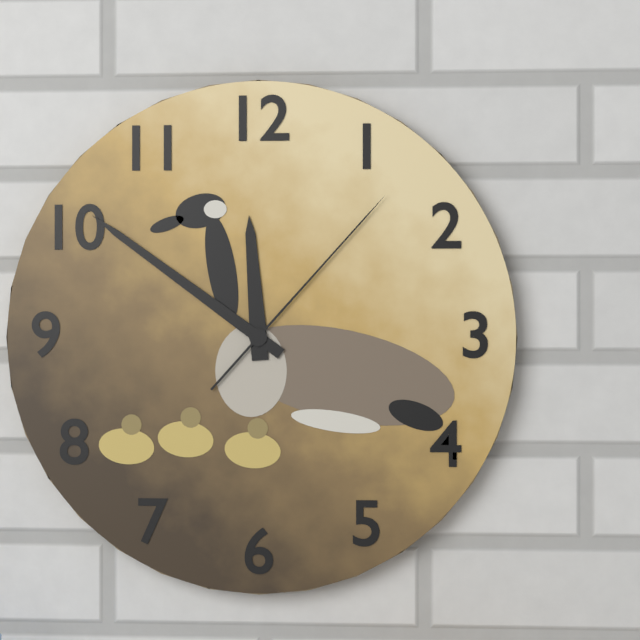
11.51.07
